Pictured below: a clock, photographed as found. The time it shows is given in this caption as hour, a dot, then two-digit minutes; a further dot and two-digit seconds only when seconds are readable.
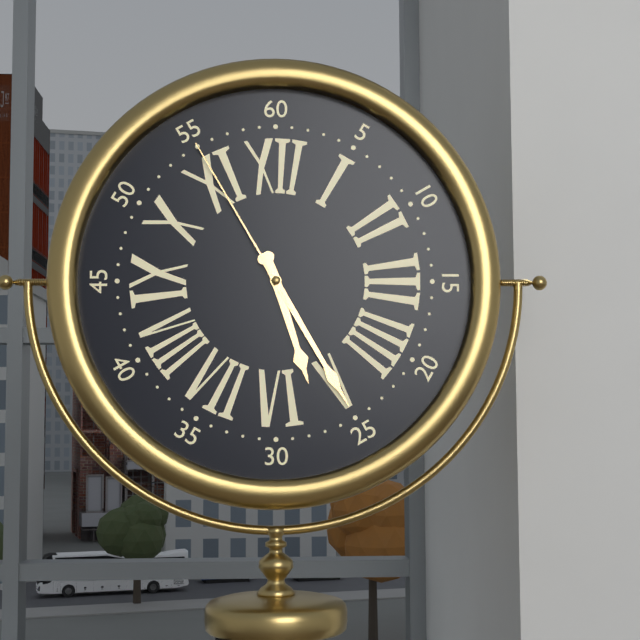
5.25.55
